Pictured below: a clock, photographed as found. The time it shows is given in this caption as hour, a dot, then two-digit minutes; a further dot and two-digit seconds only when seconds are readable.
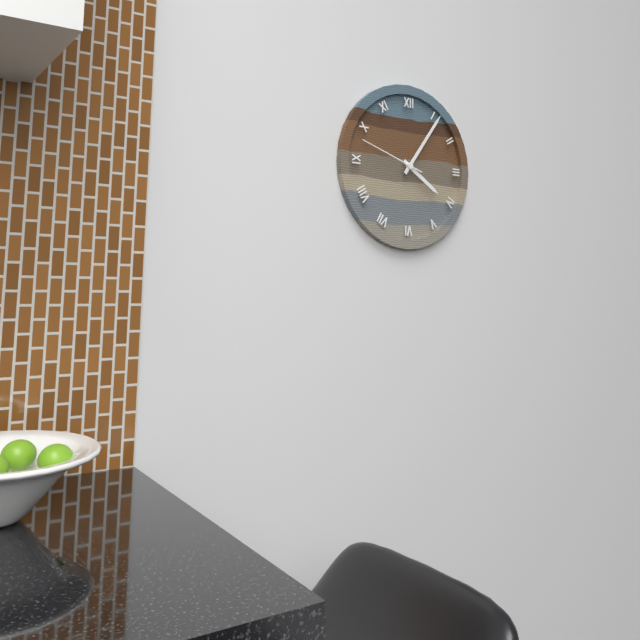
4.06.48
